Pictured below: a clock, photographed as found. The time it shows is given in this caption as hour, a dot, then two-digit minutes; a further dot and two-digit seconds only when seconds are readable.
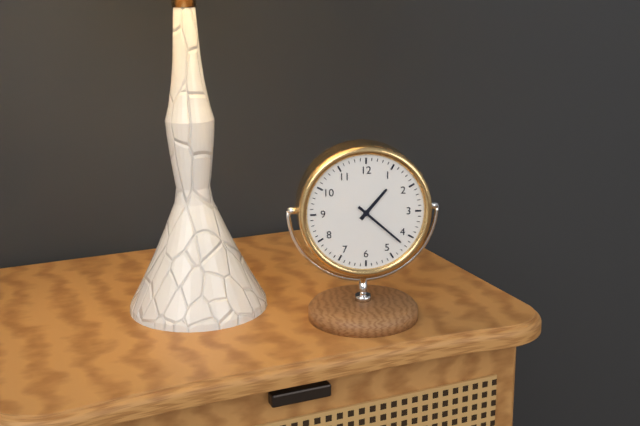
1.22
